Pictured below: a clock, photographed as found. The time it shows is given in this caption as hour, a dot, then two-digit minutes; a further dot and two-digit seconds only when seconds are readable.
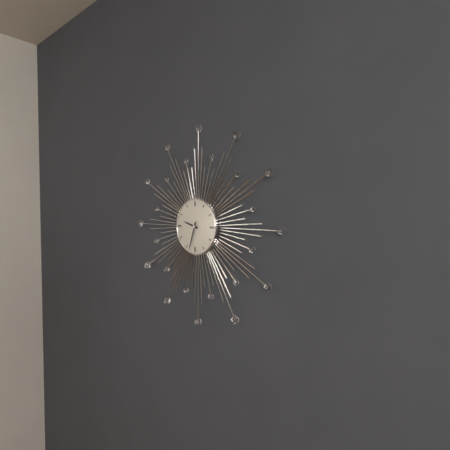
9.33
